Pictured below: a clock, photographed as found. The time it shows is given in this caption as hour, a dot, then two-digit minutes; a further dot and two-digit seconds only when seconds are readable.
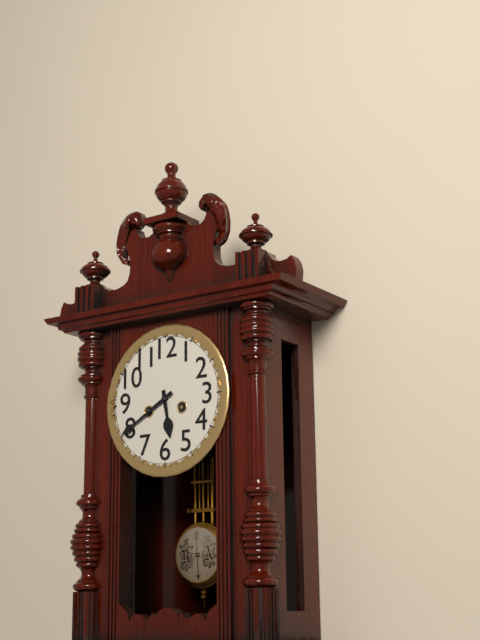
5.40
